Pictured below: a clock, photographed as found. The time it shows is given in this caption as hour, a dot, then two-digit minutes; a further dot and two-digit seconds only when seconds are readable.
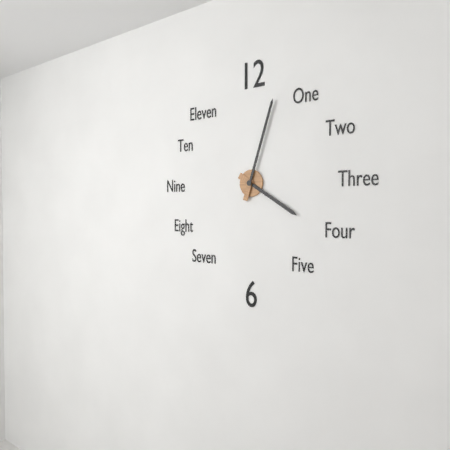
4.03
